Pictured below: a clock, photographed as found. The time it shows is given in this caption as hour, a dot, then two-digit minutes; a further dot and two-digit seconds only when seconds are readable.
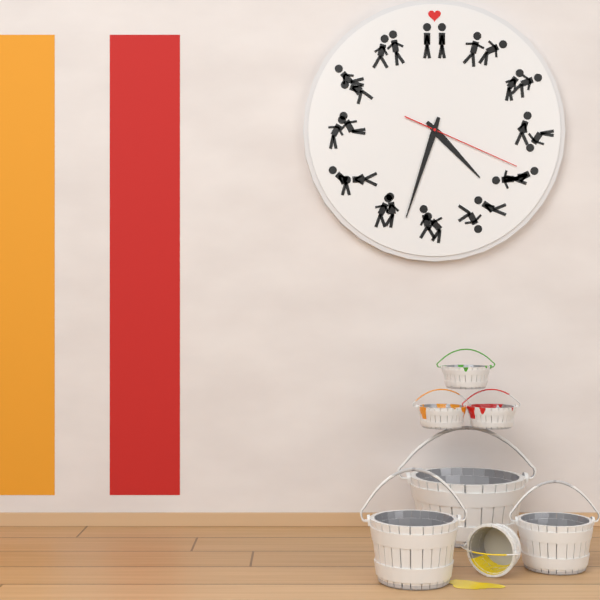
4.33.19
